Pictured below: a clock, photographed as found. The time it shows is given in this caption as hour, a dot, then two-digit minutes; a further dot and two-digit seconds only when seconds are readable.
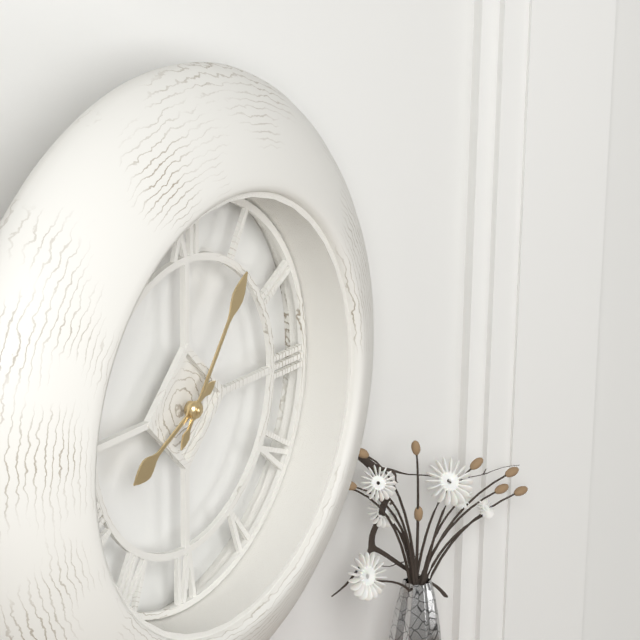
8.06
